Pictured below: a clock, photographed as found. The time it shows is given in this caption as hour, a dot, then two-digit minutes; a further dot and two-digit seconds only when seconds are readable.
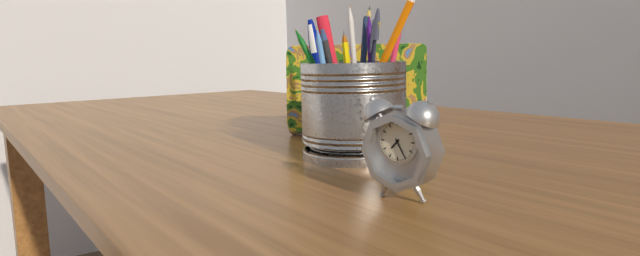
7.25
